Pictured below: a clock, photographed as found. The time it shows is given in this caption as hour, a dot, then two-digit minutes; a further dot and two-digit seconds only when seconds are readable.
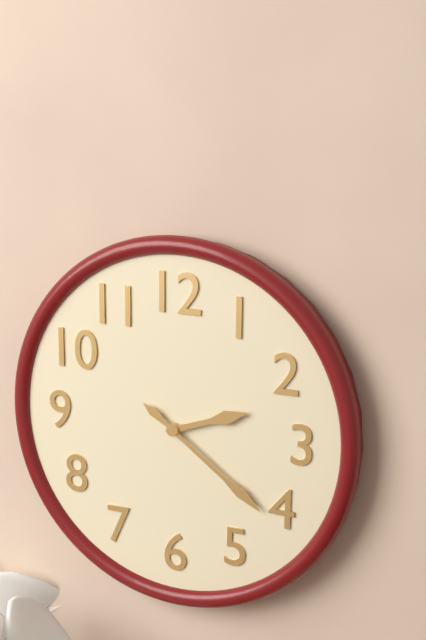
2.21
